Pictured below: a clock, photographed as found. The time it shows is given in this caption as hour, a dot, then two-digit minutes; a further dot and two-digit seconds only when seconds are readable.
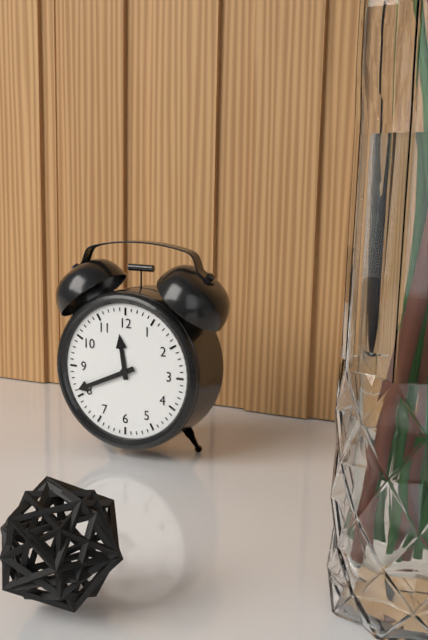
11.41
